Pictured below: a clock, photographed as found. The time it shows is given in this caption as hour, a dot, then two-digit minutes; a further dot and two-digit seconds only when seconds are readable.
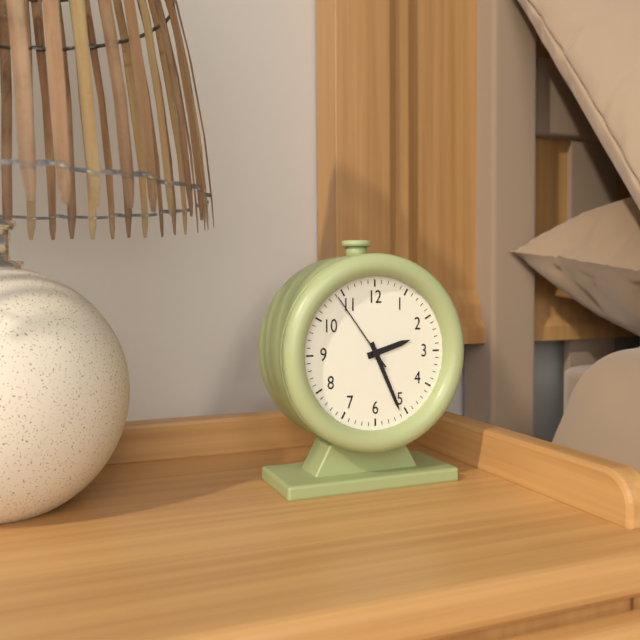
2.26.54
